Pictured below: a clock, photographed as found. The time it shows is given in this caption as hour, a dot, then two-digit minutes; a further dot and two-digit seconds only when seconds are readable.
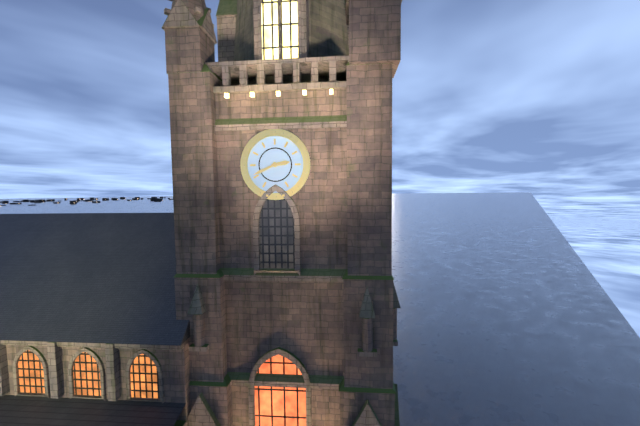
2.41
